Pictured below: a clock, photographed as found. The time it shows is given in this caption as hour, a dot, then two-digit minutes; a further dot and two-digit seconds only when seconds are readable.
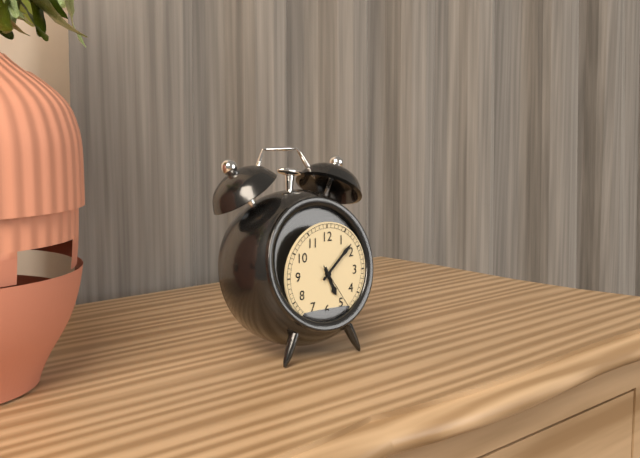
5.08
